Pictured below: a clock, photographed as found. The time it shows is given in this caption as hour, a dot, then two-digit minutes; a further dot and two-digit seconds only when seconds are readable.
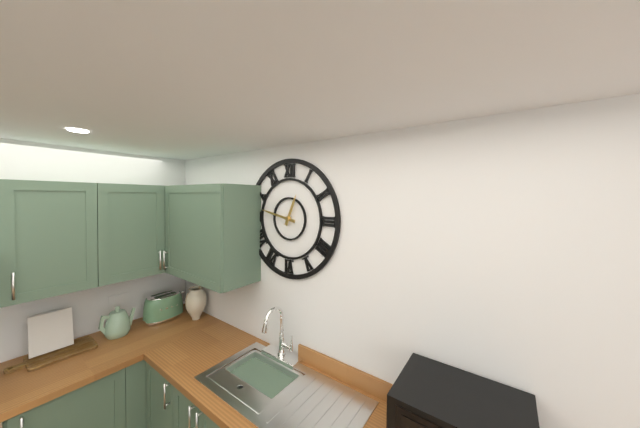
12.47
